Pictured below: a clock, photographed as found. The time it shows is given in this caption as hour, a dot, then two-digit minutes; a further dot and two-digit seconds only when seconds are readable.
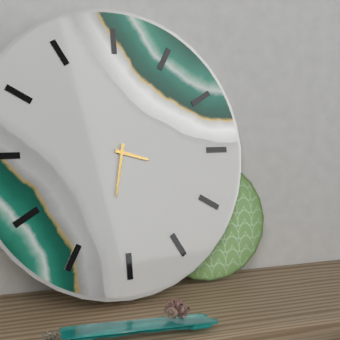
3.32
